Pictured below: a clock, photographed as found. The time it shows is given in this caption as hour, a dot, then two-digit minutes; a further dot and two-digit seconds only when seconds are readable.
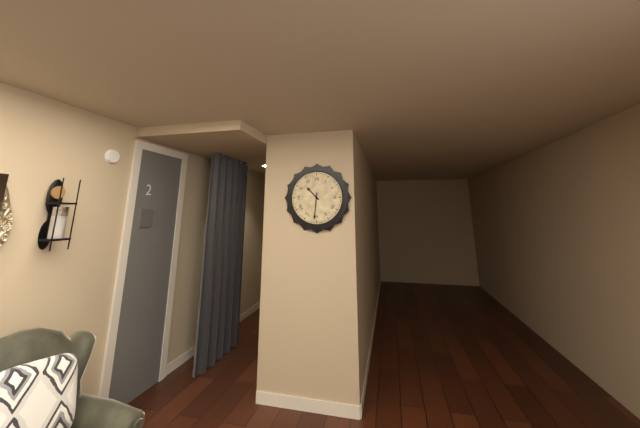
10.31
